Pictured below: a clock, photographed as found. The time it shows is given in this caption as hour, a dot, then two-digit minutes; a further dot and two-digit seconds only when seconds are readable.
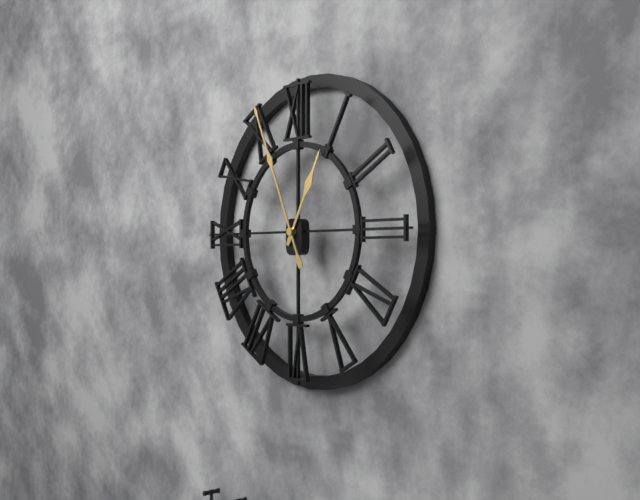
12.56
